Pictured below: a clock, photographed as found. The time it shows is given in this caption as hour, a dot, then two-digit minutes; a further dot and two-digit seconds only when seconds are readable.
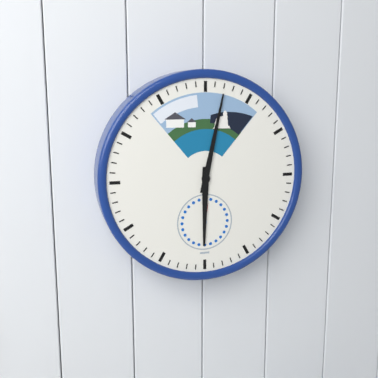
6.02
